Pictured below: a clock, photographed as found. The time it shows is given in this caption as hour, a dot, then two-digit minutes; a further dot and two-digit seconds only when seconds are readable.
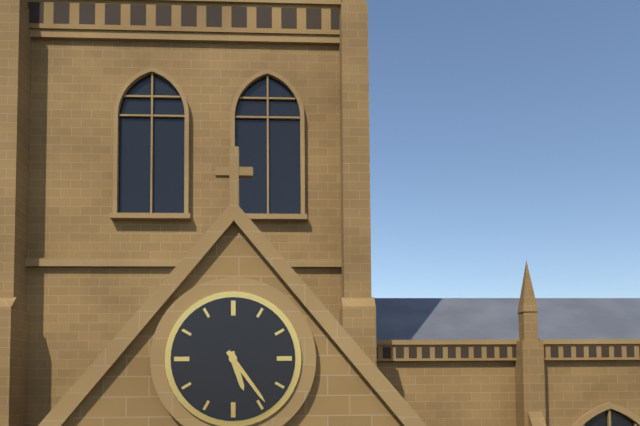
5.24
